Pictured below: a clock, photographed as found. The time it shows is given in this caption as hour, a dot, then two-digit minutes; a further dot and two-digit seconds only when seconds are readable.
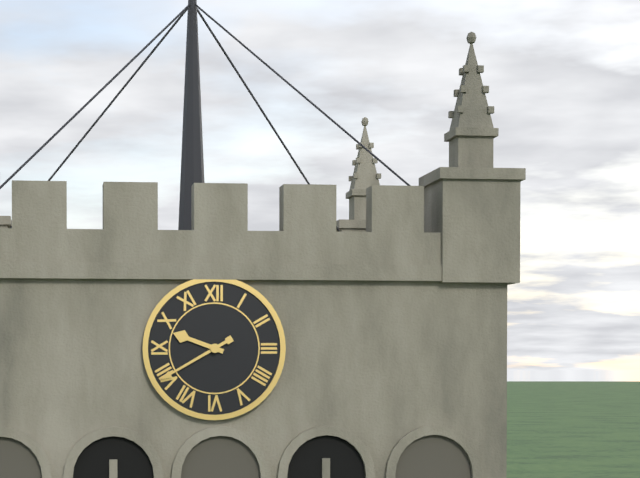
9.40
